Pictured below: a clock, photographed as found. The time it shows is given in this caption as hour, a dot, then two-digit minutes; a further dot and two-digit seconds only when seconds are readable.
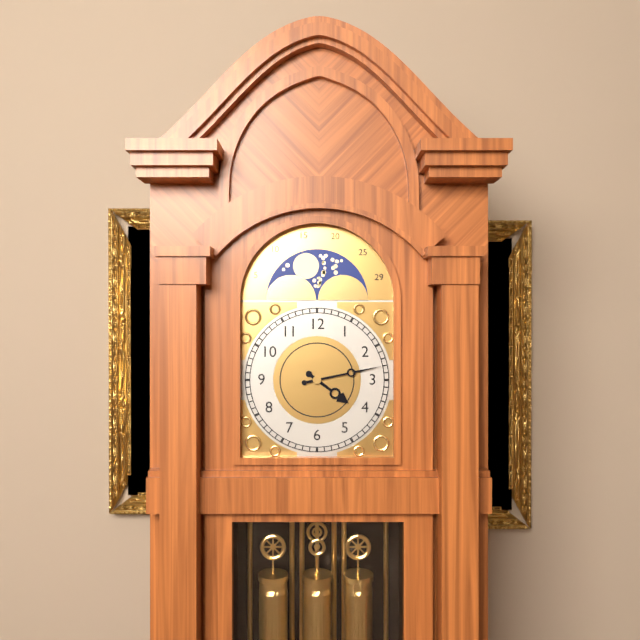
4.13
